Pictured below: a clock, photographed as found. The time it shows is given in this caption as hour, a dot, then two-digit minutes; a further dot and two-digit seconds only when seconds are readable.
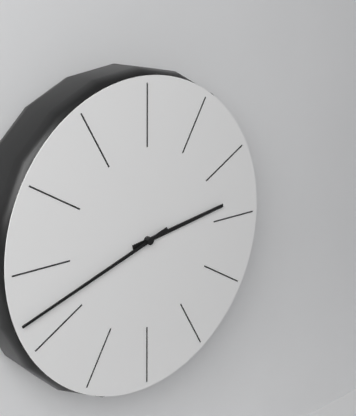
2.42
